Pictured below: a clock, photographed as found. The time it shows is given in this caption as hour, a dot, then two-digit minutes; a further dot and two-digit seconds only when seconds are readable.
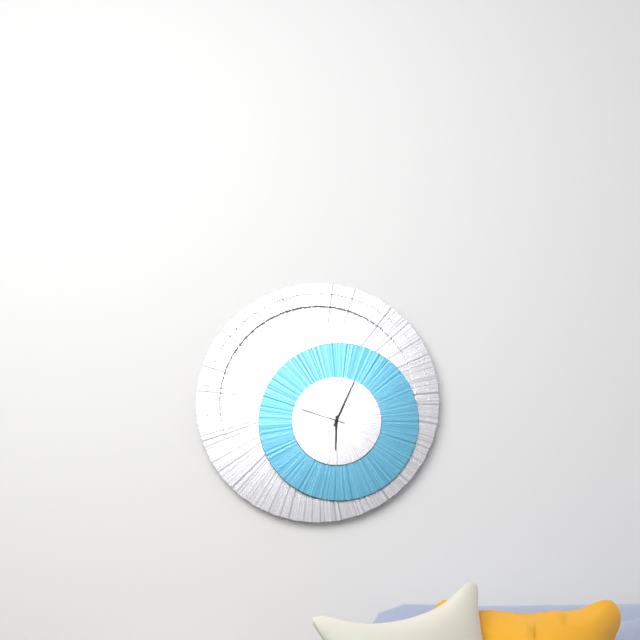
6.04
